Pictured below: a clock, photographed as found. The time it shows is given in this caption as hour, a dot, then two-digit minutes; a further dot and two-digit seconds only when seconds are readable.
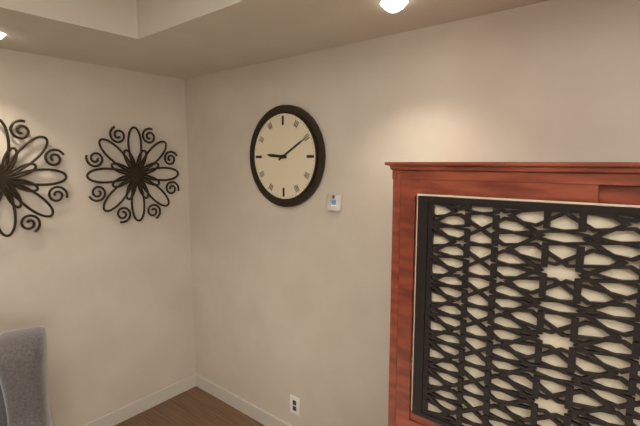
9.10
